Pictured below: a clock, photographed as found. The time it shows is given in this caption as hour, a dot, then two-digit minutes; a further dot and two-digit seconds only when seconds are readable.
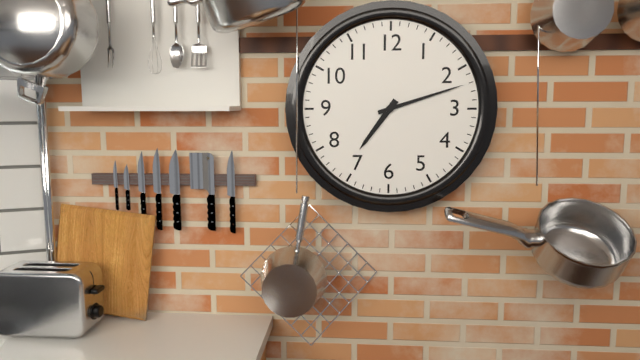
7.12
